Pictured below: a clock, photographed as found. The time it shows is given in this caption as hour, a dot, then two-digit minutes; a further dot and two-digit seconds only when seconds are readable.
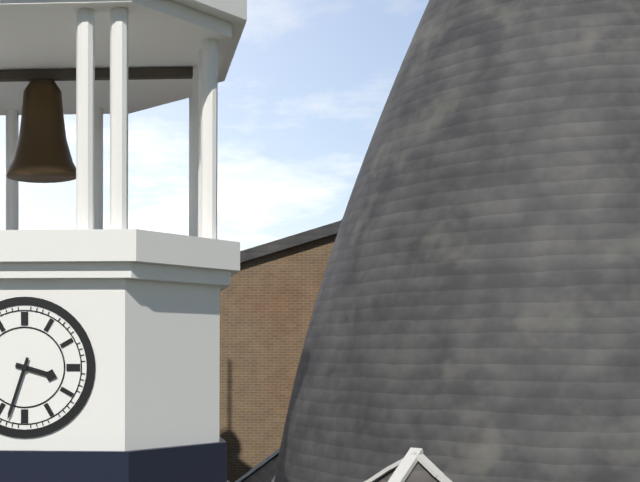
3.33
